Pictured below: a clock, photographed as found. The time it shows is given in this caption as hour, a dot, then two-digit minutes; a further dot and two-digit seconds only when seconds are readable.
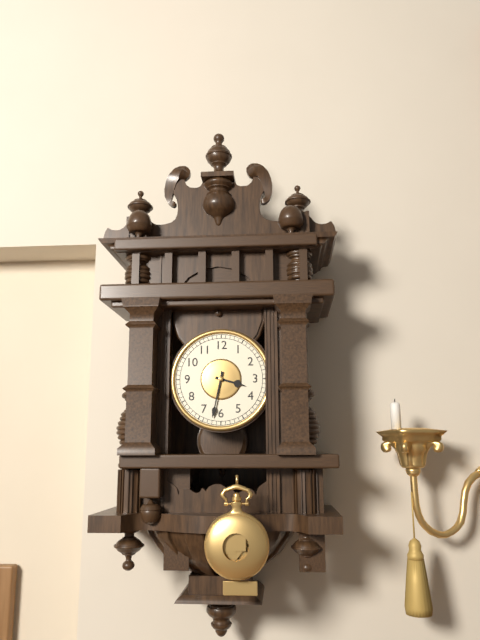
3.32
